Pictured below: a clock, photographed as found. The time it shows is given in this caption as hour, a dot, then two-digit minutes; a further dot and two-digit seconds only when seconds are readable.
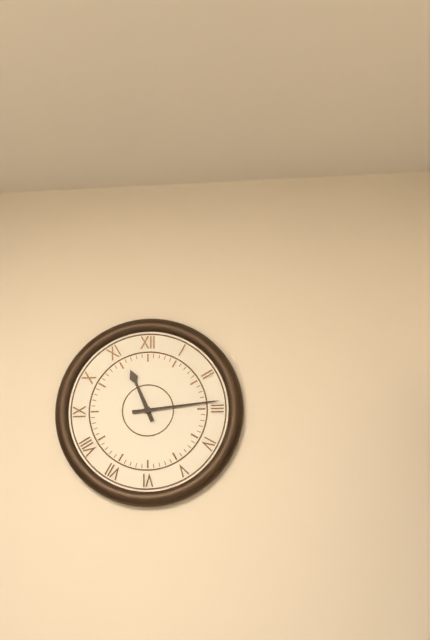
11.14
